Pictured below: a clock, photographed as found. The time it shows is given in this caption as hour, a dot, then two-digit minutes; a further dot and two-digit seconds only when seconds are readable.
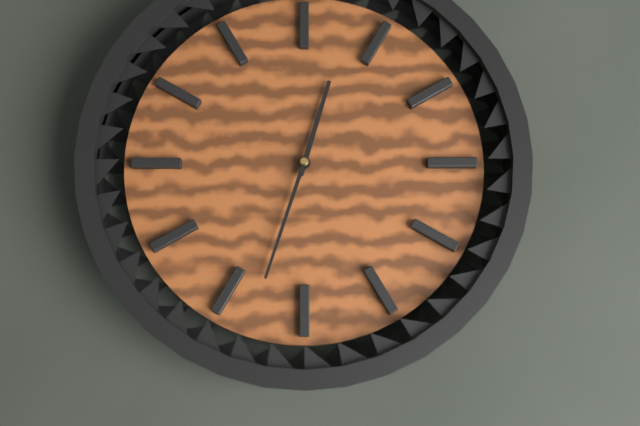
12.33
